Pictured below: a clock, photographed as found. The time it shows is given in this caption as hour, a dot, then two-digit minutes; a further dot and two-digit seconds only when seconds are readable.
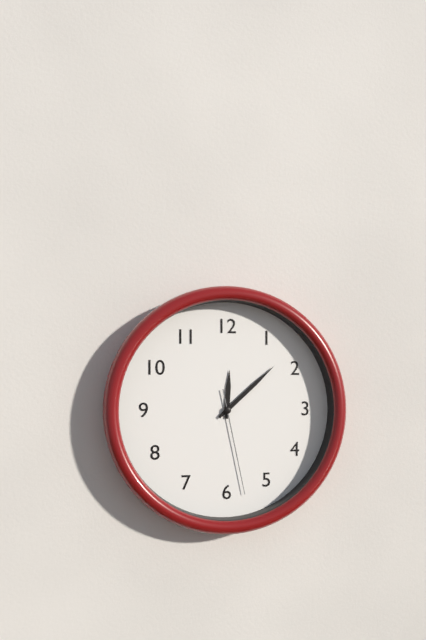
12.08.28
